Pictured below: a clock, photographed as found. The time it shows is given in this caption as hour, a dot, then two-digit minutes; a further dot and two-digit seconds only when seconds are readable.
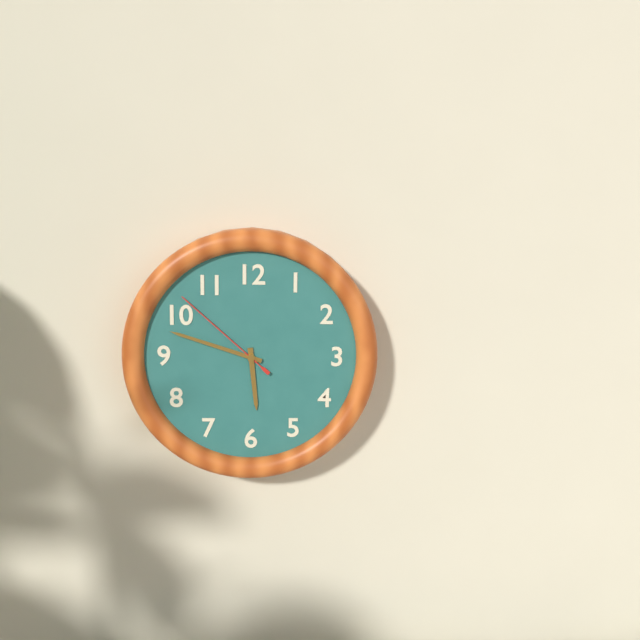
5.48.52
